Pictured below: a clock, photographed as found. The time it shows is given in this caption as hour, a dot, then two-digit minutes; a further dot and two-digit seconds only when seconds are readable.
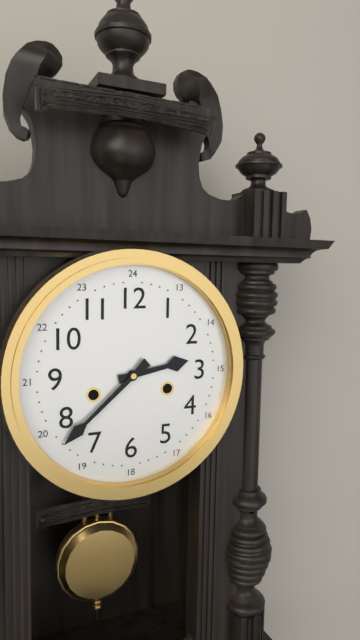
2.38
